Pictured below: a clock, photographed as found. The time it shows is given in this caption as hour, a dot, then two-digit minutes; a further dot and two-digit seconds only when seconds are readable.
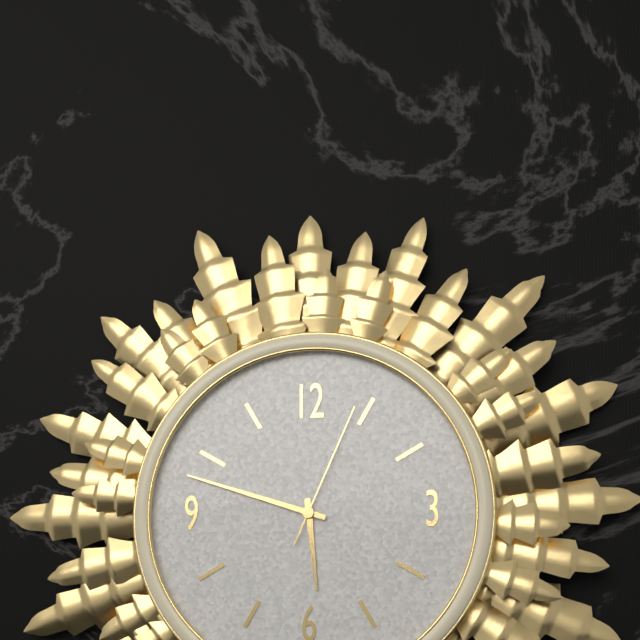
5.48.04
